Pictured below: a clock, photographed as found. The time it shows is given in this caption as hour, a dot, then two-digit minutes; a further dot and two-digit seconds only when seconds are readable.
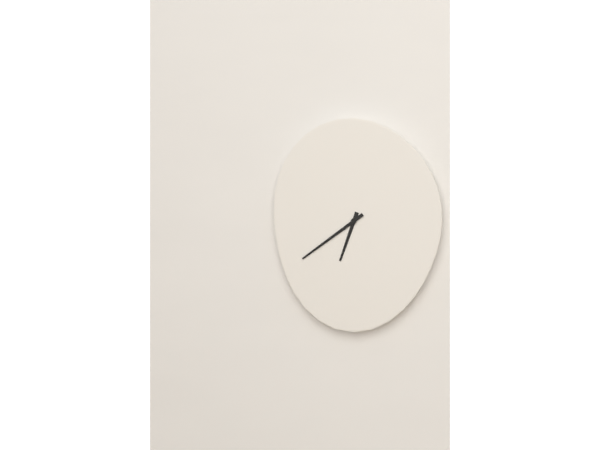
6.39
